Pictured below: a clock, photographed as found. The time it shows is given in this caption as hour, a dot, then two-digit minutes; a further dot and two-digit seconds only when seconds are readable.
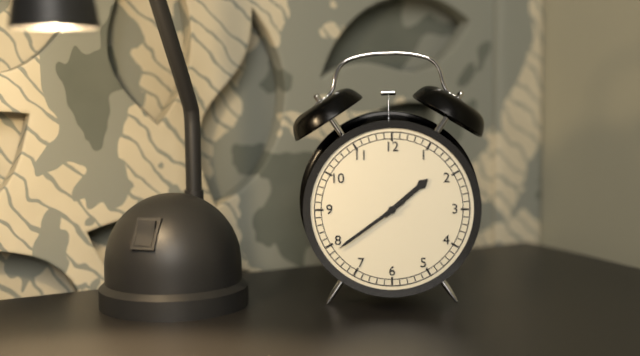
1.39
